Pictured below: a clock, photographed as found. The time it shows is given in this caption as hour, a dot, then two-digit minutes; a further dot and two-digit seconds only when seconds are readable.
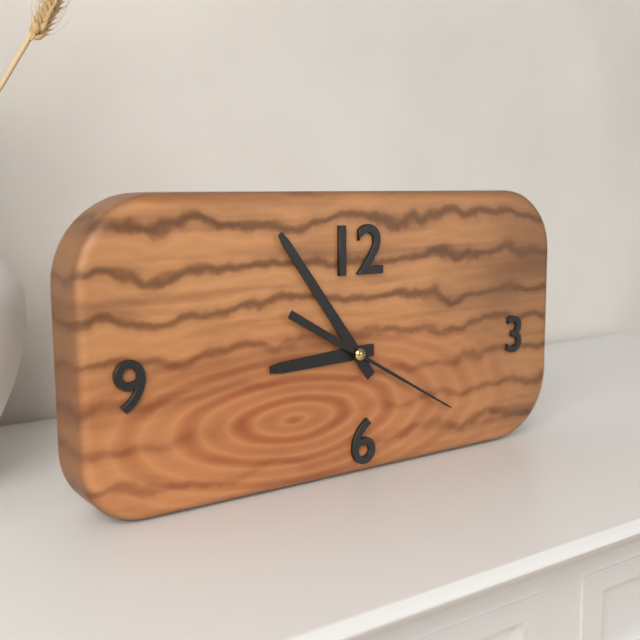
8.54.20
